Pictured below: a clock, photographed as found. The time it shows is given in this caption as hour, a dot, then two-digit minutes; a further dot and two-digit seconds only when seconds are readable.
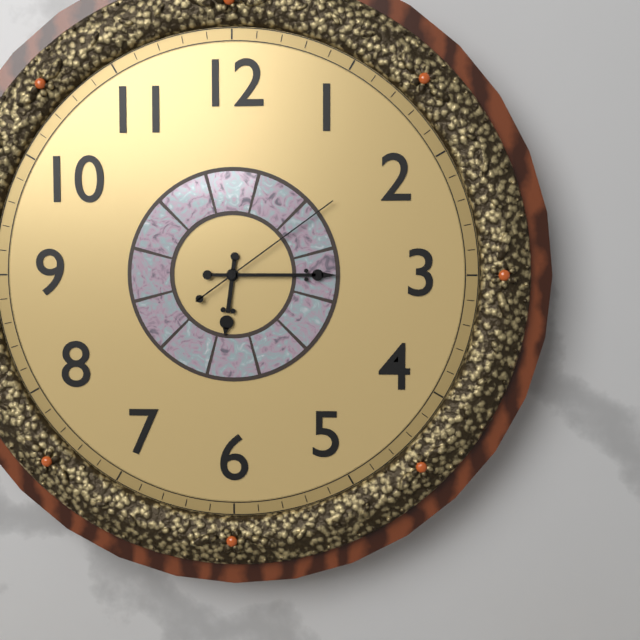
6.15.09
